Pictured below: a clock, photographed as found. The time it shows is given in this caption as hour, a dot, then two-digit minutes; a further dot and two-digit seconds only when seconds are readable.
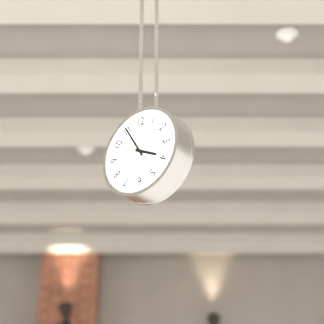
3.55
